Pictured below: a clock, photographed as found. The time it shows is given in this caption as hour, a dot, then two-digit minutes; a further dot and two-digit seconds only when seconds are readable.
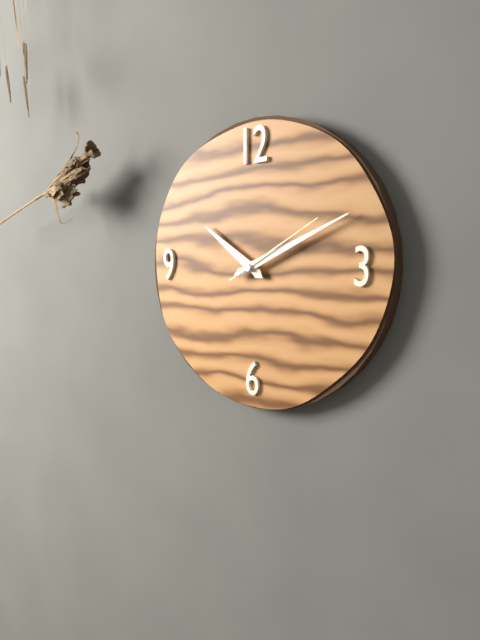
10.11.10
